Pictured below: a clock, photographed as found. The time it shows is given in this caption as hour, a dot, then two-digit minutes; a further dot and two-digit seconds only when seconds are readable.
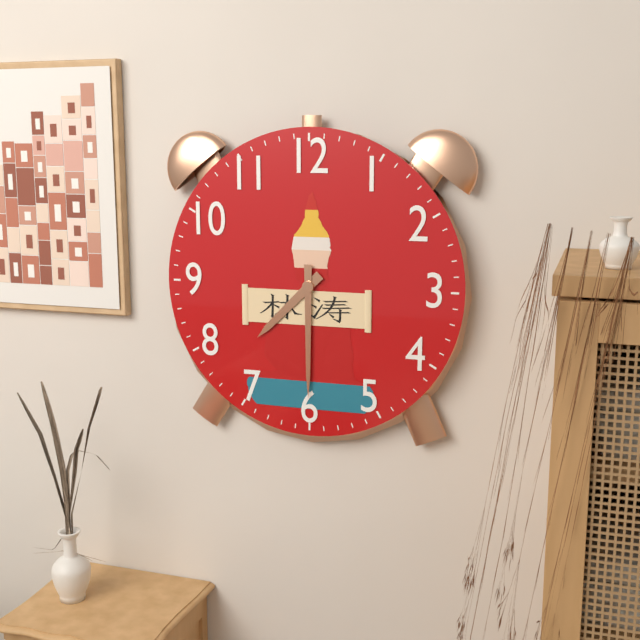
7.30
